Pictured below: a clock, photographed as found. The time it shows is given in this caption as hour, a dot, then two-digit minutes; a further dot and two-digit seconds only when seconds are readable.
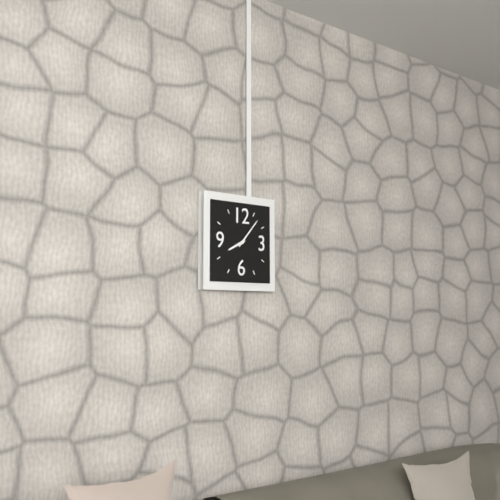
8.07
